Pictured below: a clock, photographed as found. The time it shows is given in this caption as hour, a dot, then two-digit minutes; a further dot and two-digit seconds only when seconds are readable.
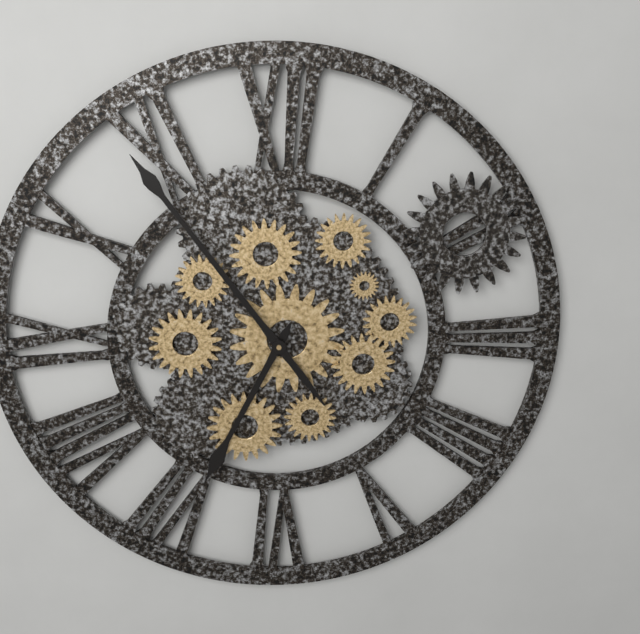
6.54
